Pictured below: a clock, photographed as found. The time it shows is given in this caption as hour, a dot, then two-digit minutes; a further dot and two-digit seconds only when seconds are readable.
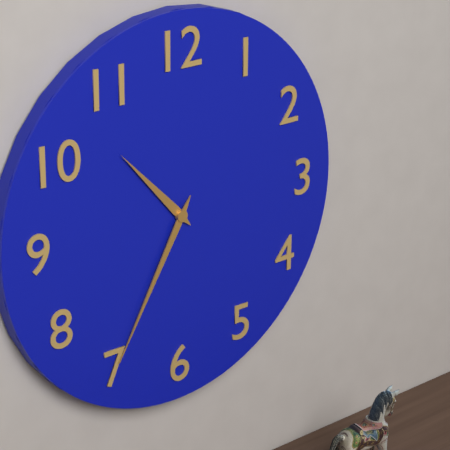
10.35
